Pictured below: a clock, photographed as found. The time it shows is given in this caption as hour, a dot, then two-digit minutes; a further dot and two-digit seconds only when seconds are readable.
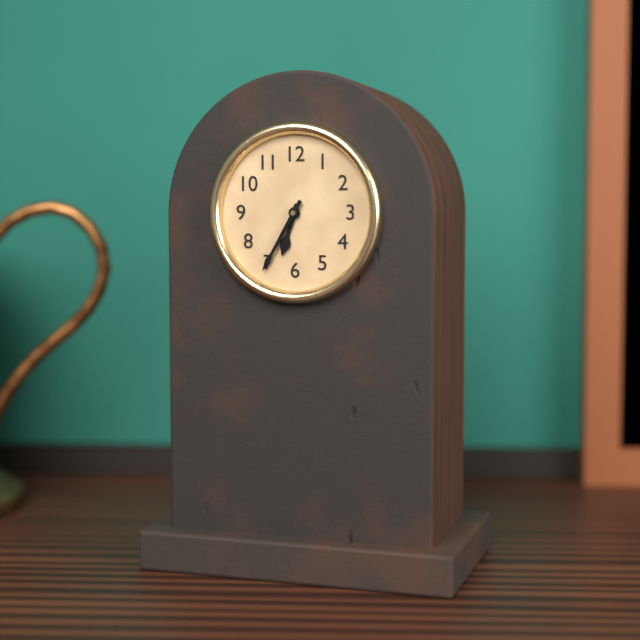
6.35
